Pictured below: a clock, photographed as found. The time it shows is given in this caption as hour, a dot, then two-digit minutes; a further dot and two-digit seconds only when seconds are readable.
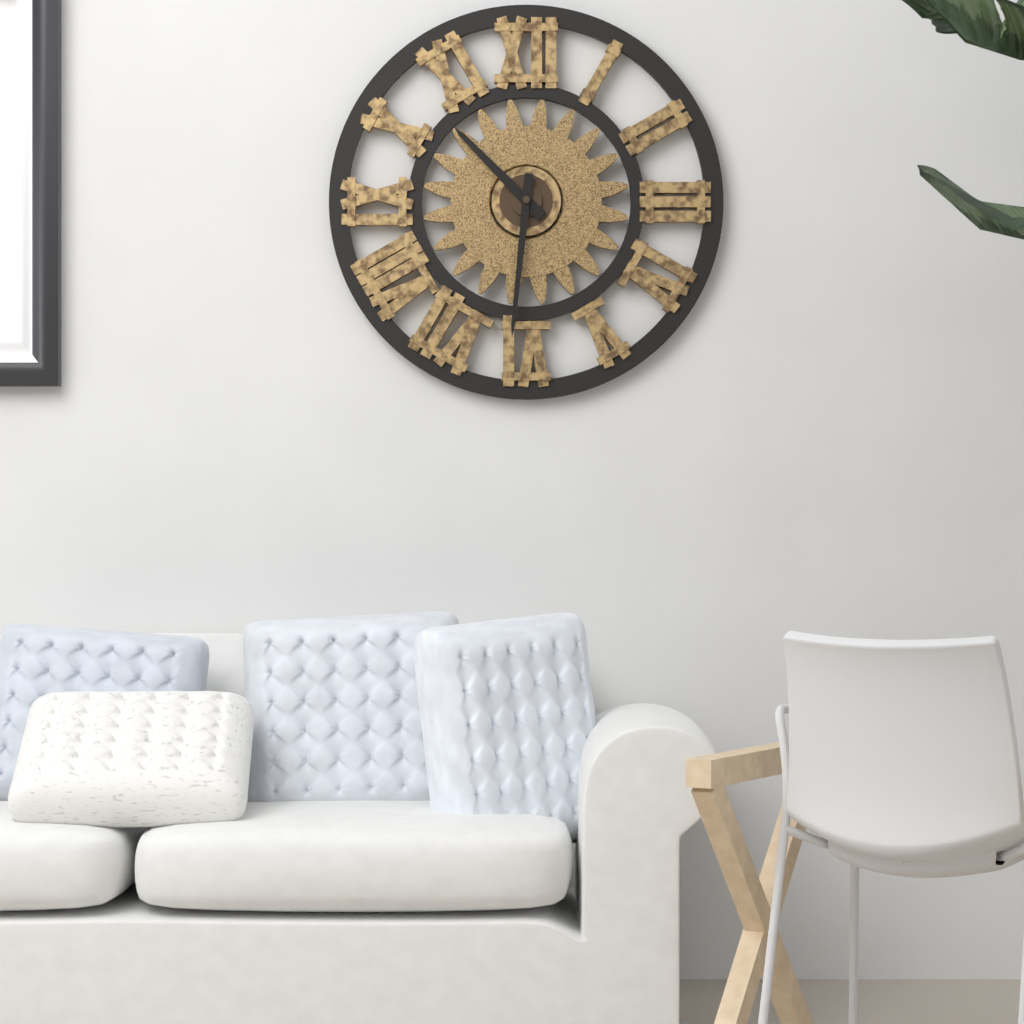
10.31
